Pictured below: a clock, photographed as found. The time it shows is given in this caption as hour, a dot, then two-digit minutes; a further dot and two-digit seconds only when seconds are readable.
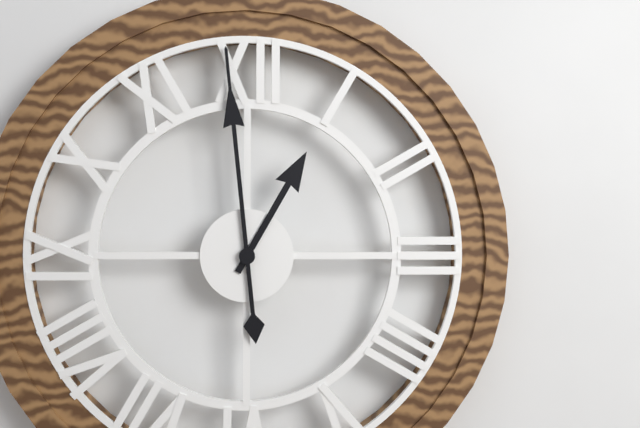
12.59
